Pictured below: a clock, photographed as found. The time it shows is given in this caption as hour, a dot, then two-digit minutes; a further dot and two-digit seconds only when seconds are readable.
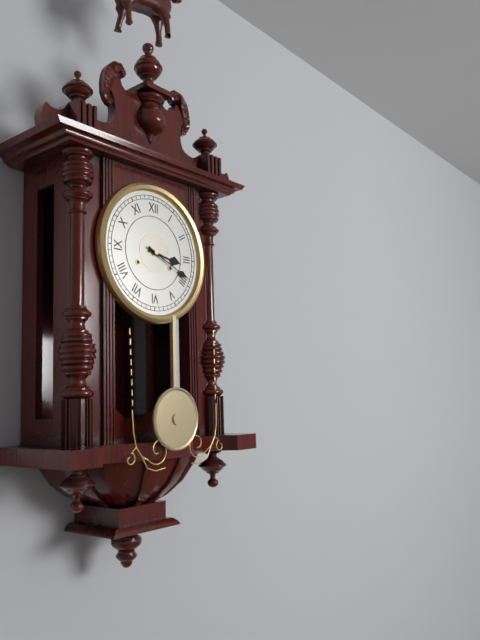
3.19
